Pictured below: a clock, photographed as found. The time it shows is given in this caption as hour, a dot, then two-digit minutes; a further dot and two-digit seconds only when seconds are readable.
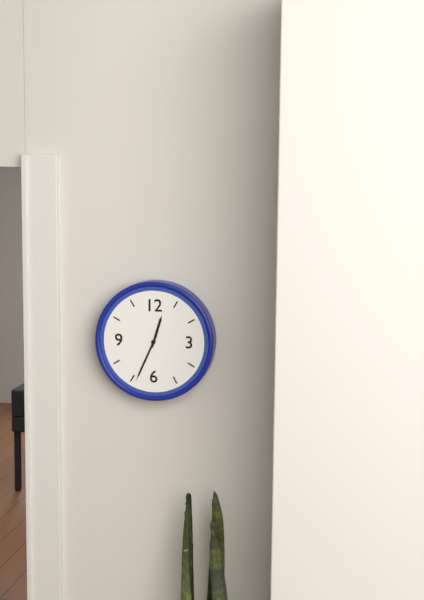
12.34.34
